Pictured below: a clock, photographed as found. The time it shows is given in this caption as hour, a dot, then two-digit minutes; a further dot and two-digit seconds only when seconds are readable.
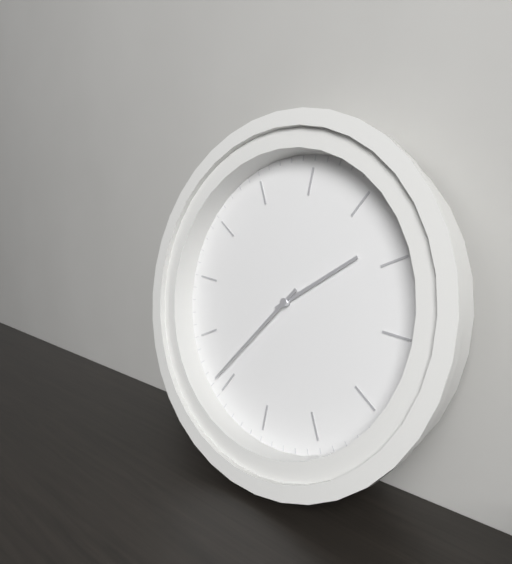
2.41
